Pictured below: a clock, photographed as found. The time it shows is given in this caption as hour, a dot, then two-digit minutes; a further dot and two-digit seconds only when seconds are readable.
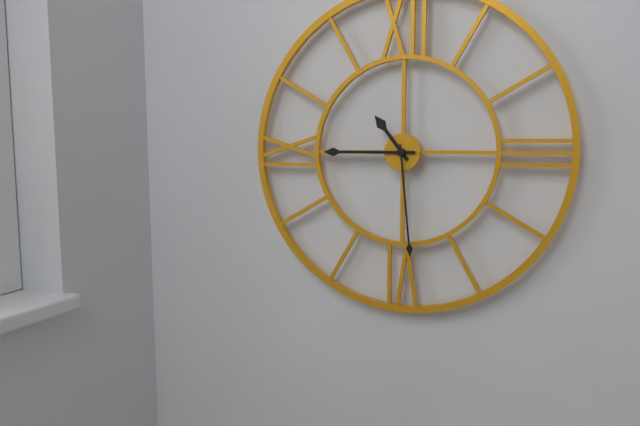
10.45.29
